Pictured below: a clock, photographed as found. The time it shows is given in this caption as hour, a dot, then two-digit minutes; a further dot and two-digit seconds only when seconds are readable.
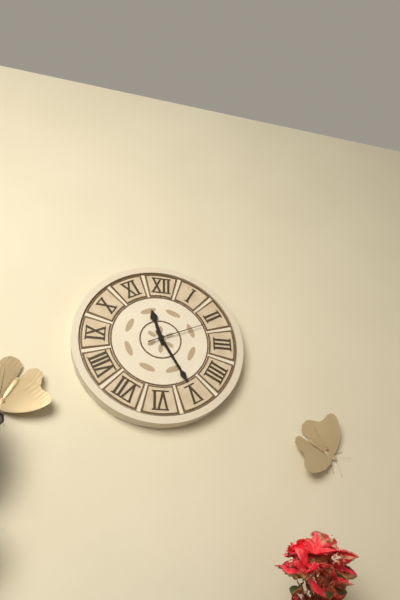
11.25.11
